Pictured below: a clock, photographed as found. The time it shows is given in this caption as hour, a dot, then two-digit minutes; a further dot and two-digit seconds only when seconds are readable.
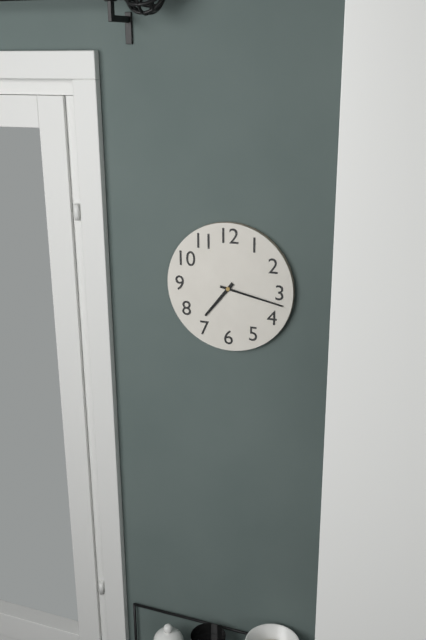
7.17
